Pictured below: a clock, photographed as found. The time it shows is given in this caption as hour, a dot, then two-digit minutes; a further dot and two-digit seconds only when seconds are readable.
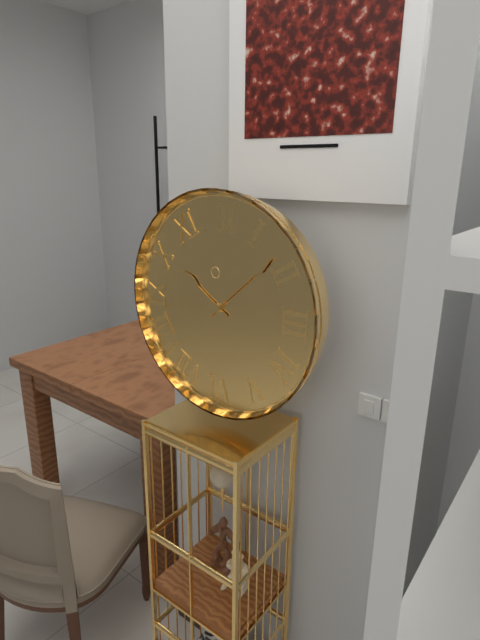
10.08
